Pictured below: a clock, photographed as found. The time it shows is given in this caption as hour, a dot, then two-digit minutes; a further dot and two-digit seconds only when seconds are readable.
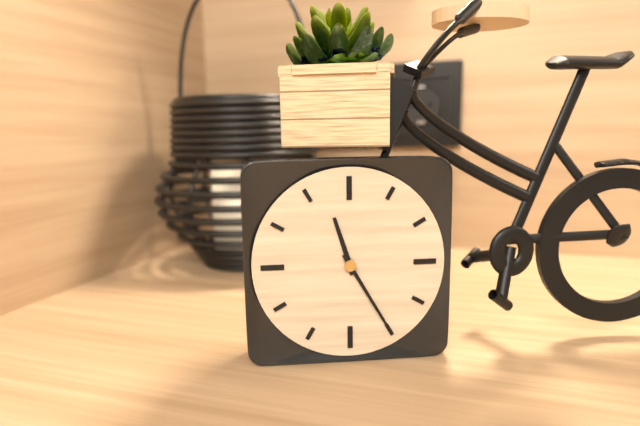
11.25
